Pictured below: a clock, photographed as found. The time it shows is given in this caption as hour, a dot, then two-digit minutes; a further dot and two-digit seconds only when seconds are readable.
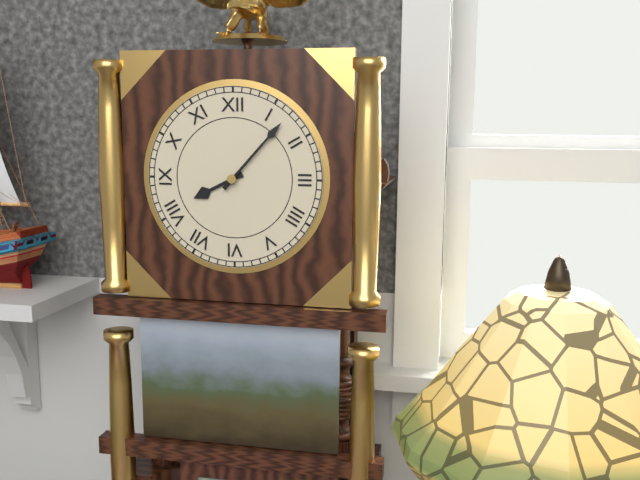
8.07
